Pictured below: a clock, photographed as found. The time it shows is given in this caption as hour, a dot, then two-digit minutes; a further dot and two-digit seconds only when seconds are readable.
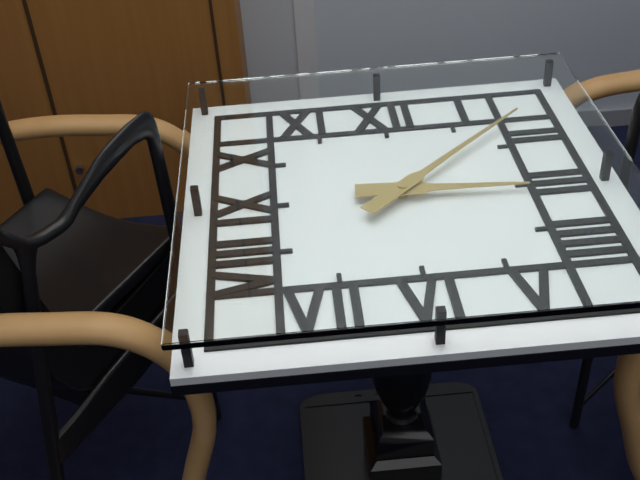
3.08
